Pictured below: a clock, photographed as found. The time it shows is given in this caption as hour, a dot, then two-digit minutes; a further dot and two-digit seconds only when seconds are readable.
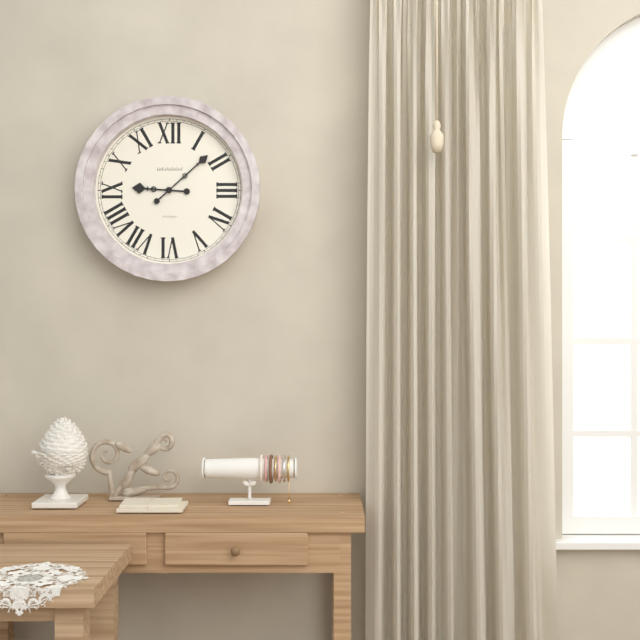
9.08
